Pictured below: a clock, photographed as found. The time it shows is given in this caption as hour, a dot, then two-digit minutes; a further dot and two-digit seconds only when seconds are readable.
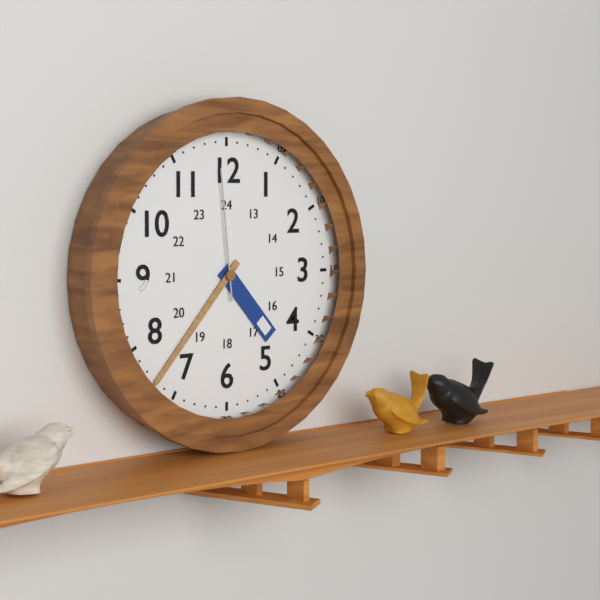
4.37.59
